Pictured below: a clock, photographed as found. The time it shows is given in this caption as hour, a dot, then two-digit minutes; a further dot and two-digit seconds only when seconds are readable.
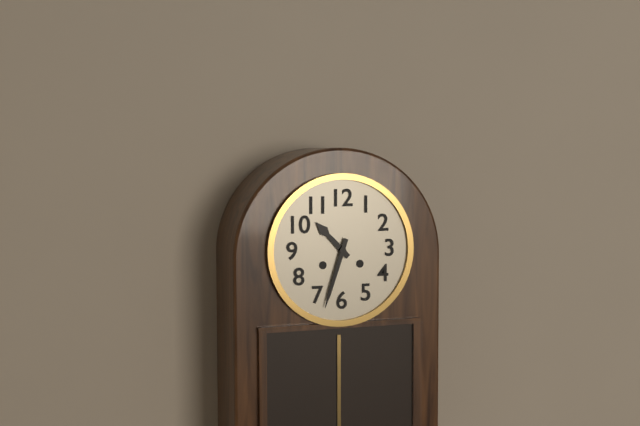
10.33
